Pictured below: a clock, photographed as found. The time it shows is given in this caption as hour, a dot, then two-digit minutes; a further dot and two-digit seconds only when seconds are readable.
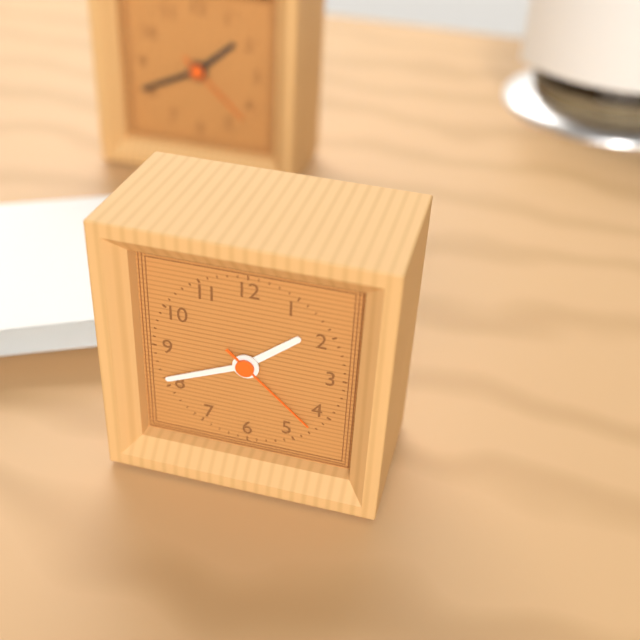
1.41.22
